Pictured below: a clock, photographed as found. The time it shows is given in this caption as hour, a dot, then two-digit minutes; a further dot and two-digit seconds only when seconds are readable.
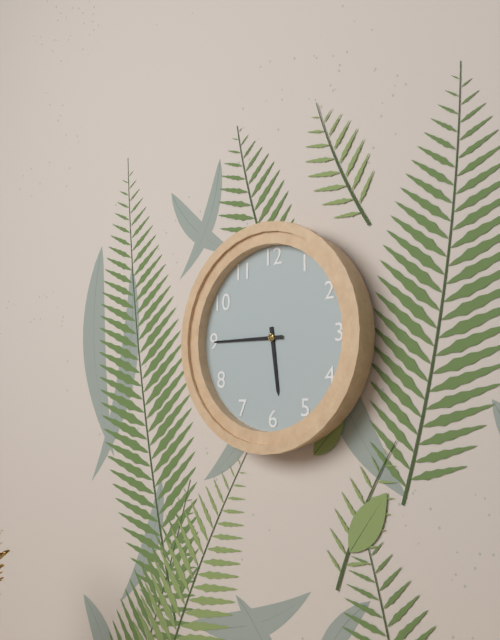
5.45
